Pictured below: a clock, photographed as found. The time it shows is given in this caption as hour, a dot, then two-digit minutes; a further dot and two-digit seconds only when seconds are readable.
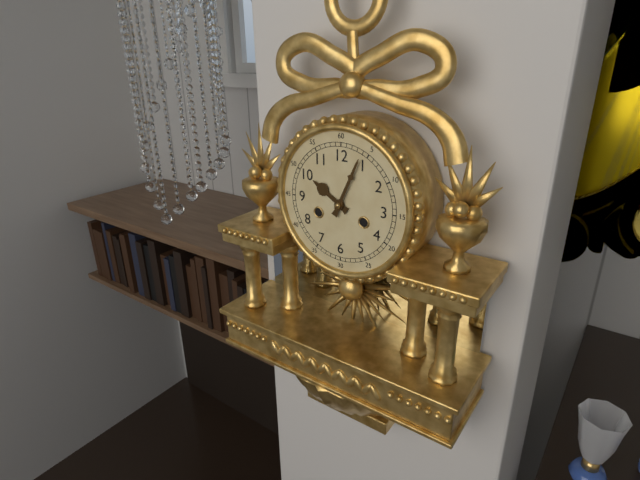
10.04
